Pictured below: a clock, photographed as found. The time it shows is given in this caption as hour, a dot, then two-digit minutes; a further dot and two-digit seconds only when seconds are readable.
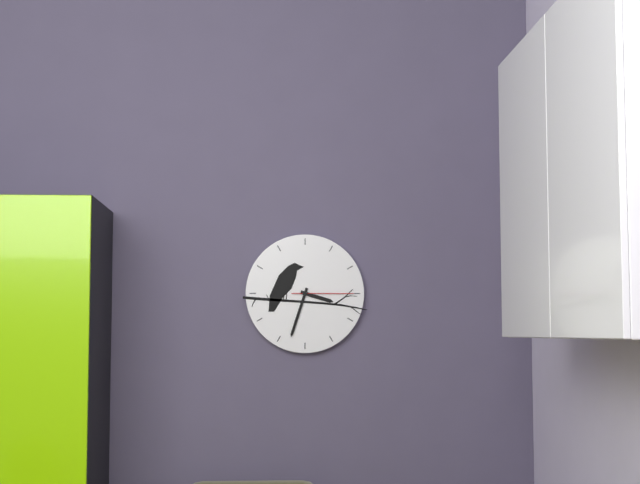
3.33.15
